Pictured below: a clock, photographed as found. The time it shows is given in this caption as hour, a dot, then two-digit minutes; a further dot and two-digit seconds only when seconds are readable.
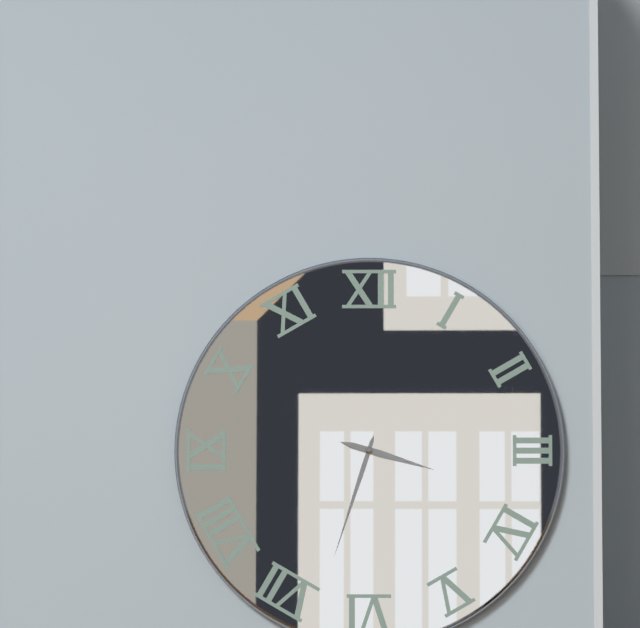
3.33
